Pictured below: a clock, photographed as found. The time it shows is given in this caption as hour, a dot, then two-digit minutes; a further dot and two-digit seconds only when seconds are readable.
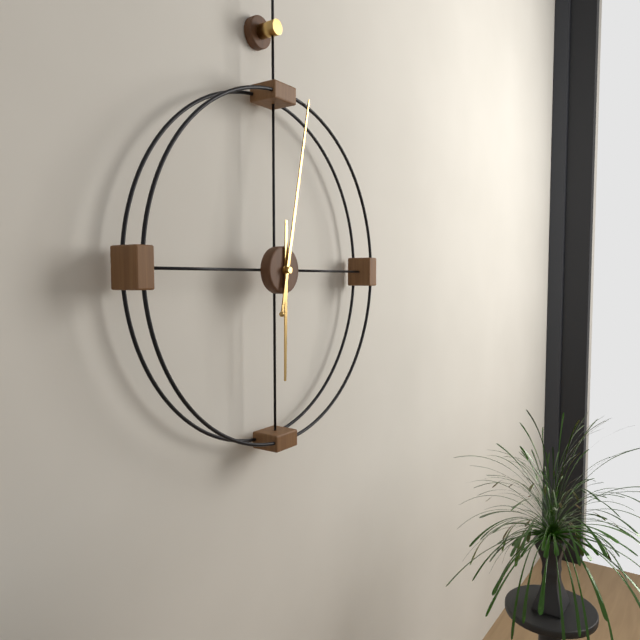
6.02
